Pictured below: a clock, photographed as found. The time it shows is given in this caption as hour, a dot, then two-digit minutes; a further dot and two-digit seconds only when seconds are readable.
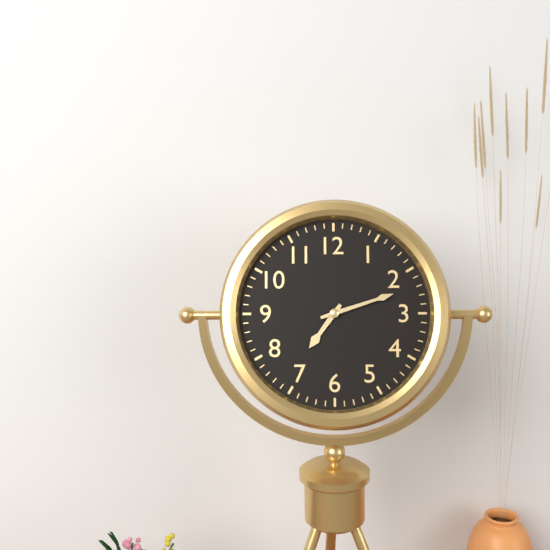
7.12
